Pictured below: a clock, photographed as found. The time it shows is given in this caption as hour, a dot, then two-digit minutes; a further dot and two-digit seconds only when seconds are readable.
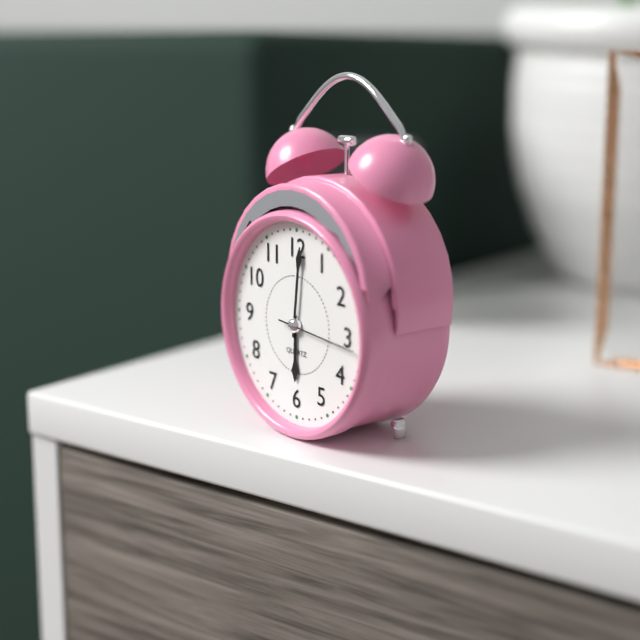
6.01.16
